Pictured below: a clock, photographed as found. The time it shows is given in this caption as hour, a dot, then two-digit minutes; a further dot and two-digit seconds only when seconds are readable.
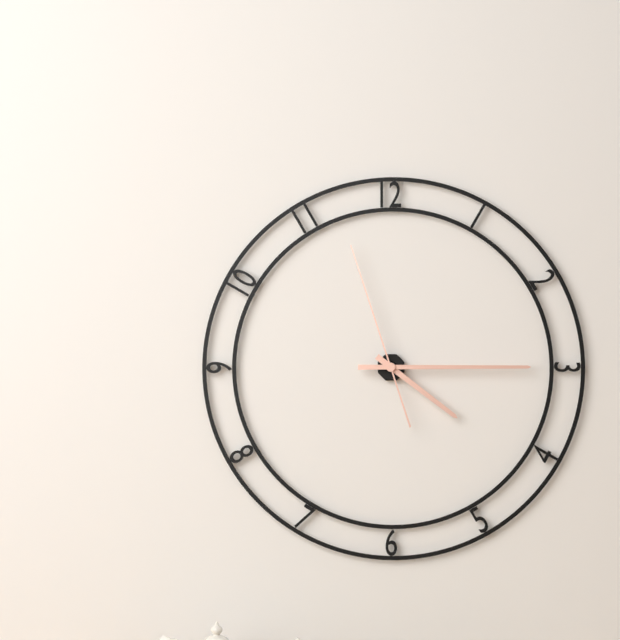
4.15.57
